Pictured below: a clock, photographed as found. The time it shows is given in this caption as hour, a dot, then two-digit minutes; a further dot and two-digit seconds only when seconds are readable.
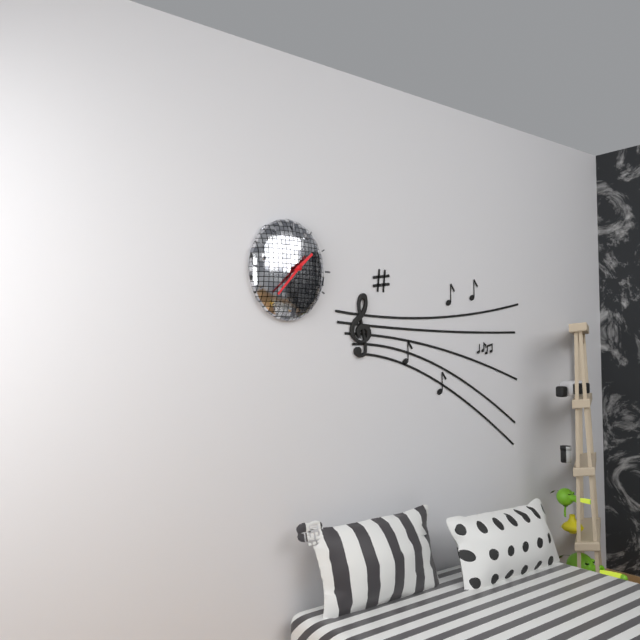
1.37
